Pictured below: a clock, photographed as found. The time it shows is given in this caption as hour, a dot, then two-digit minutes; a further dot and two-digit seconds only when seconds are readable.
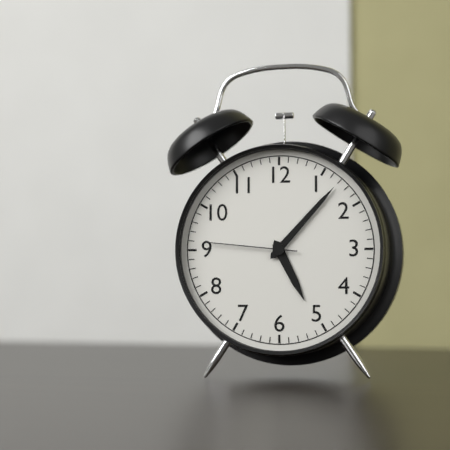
5.07.46
